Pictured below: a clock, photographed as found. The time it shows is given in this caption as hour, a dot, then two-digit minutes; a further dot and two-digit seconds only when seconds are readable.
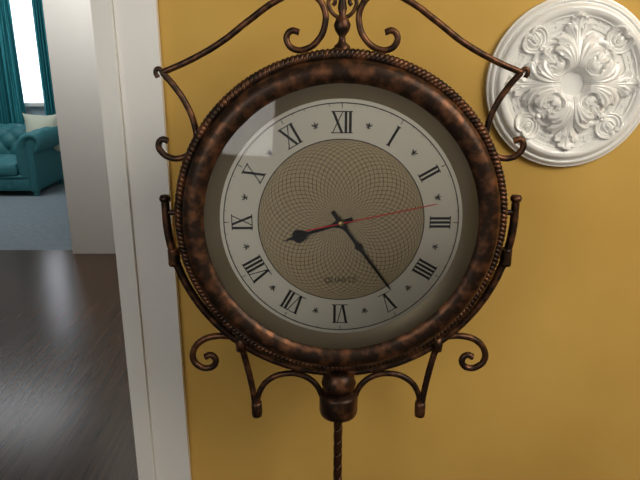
8.24.13
